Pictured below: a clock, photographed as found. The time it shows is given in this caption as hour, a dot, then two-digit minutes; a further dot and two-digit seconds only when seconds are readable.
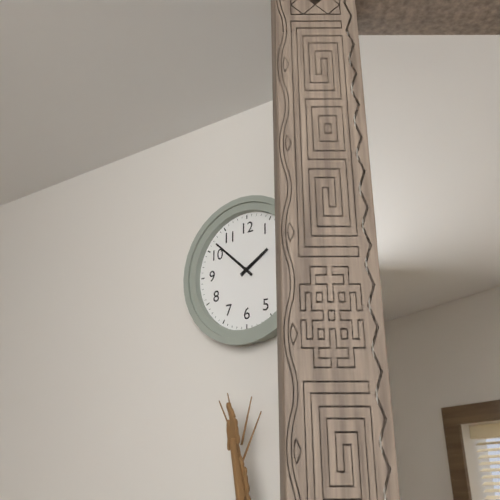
1.52
